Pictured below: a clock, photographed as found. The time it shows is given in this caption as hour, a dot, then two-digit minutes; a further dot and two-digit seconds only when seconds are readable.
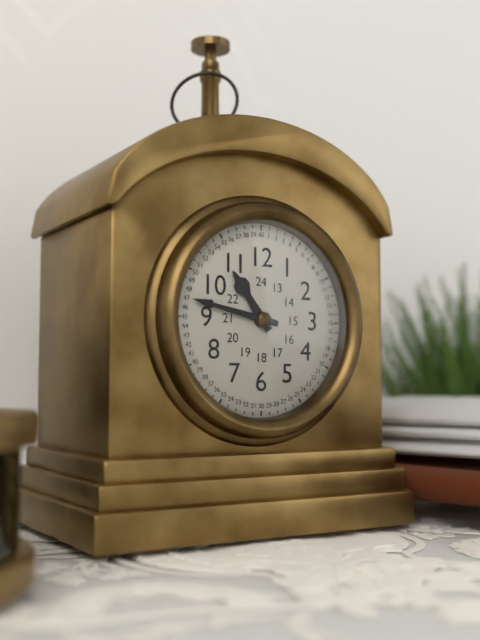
10.47
